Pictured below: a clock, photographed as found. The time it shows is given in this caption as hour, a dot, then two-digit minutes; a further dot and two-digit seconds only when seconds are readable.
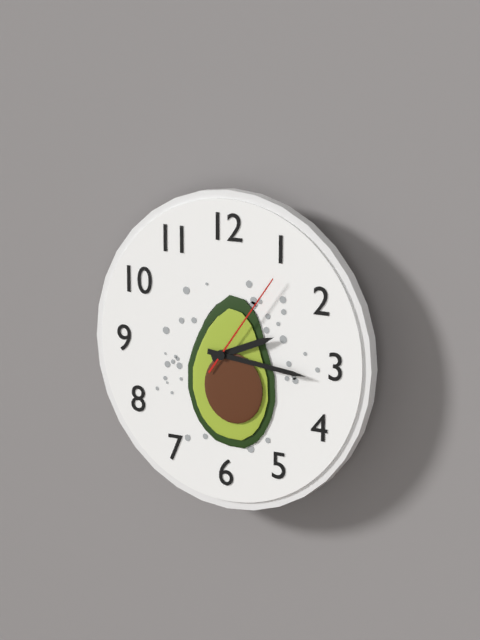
2.16.06
